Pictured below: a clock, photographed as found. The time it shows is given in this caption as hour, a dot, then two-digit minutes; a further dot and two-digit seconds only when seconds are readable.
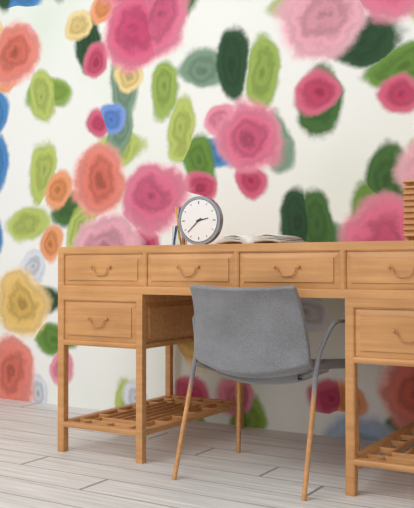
2.38
